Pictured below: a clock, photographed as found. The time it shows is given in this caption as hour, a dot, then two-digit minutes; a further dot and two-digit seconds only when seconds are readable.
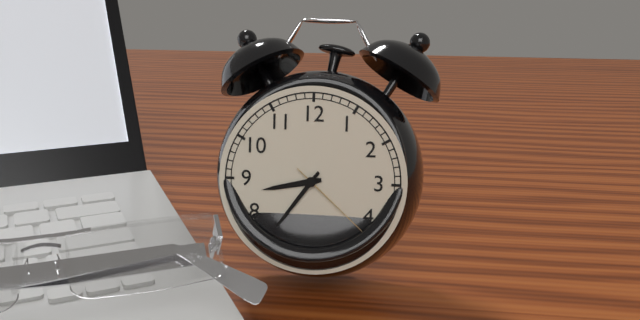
8.36.22
